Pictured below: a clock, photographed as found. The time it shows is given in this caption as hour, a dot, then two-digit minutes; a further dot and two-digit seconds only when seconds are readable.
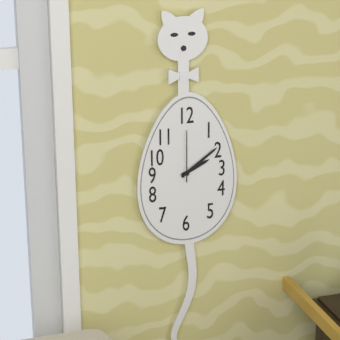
2.09.00
